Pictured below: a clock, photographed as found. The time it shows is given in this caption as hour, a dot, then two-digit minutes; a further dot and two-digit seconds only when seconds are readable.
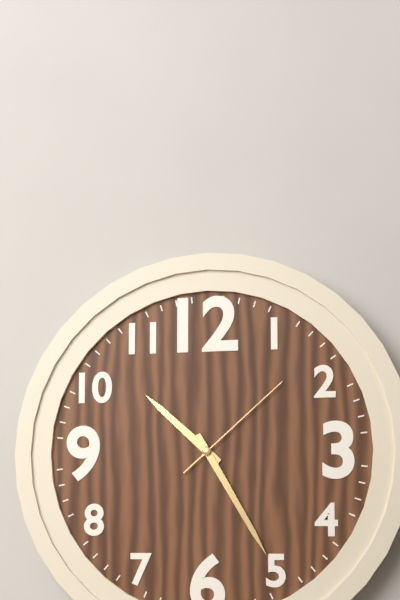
10.25.08
